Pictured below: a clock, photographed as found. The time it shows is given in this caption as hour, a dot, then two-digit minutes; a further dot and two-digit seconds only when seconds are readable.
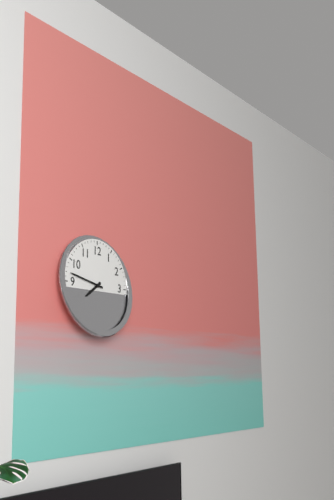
7.47
